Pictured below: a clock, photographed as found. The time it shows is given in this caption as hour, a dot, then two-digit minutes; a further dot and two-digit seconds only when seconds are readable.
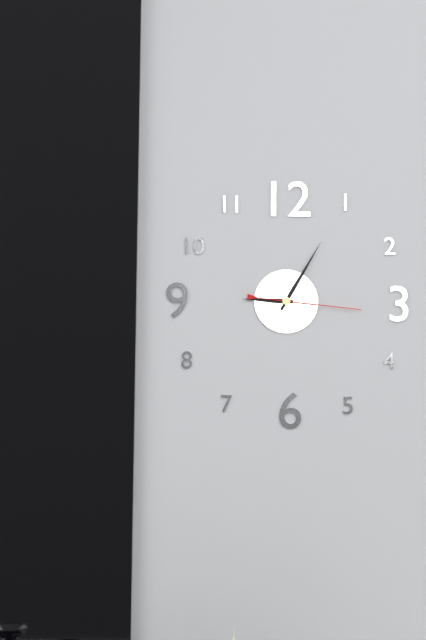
9.05.16
